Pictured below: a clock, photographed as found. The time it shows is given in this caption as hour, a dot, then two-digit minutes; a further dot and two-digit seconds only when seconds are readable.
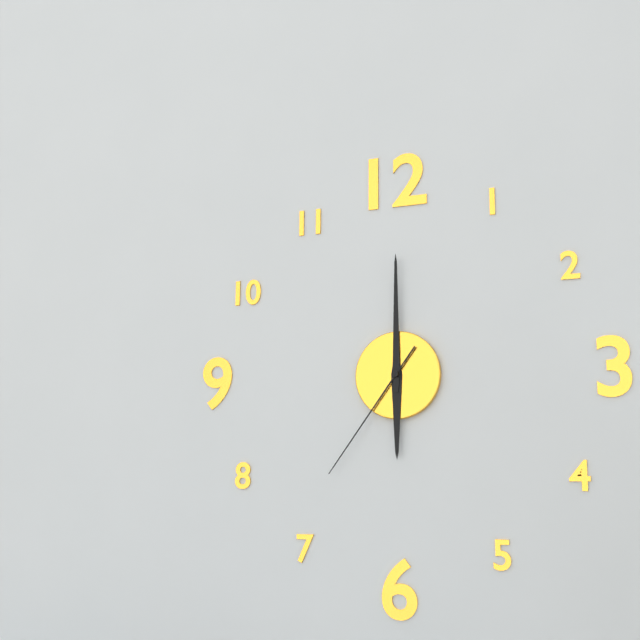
6.00.36
